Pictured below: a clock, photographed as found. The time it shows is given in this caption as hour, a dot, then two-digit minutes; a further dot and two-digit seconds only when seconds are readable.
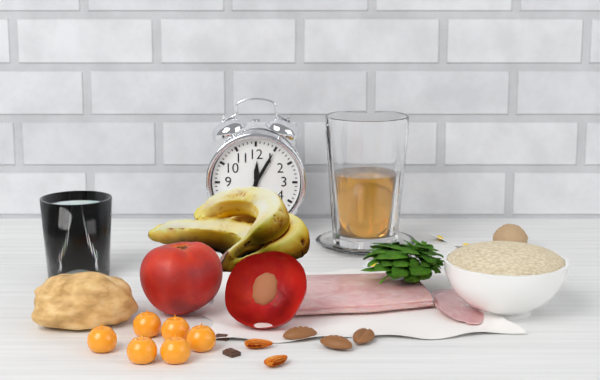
12.05
